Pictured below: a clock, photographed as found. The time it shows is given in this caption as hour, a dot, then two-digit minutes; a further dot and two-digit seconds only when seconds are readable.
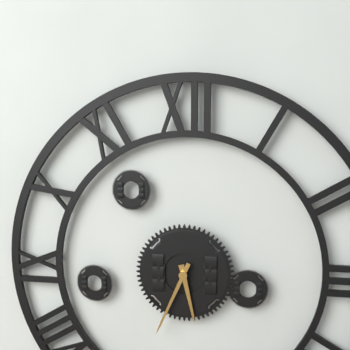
5.34
